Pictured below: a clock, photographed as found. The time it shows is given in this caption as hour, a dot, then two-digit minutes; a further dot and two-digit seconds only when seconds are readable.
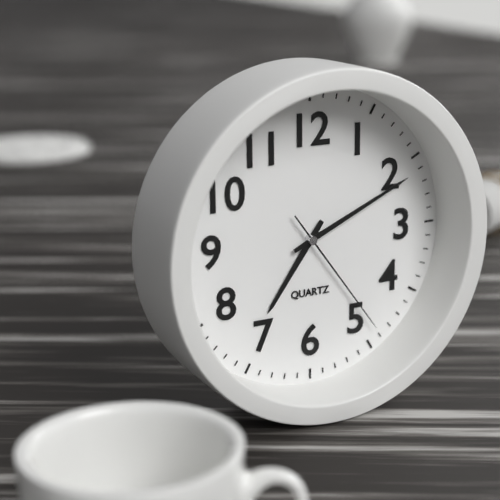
7.11.24
